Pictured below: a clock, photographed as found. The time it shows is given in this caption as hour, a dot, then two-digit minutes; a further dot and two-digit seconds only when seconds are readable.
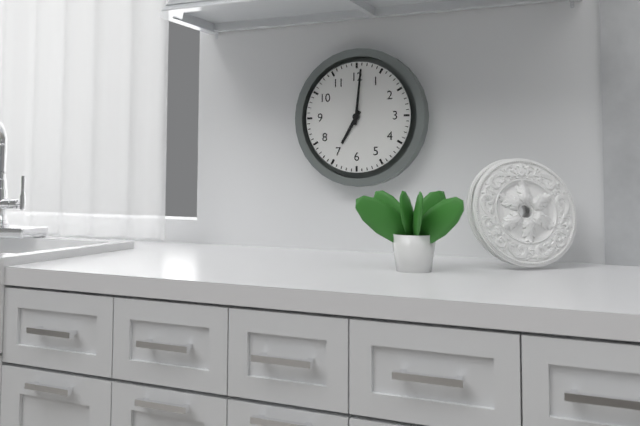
7.01
